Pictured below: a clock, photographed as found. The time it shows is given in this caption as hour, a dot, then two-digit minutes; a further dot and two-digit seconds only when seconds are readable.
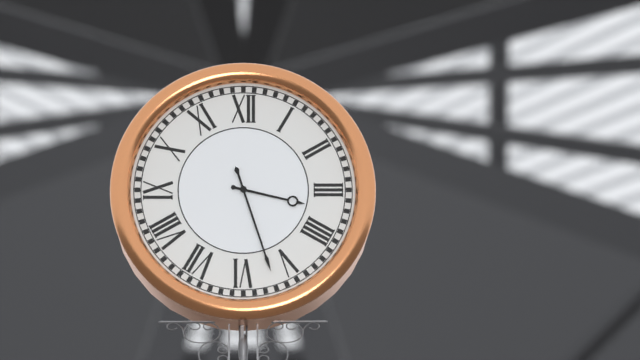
3.27
